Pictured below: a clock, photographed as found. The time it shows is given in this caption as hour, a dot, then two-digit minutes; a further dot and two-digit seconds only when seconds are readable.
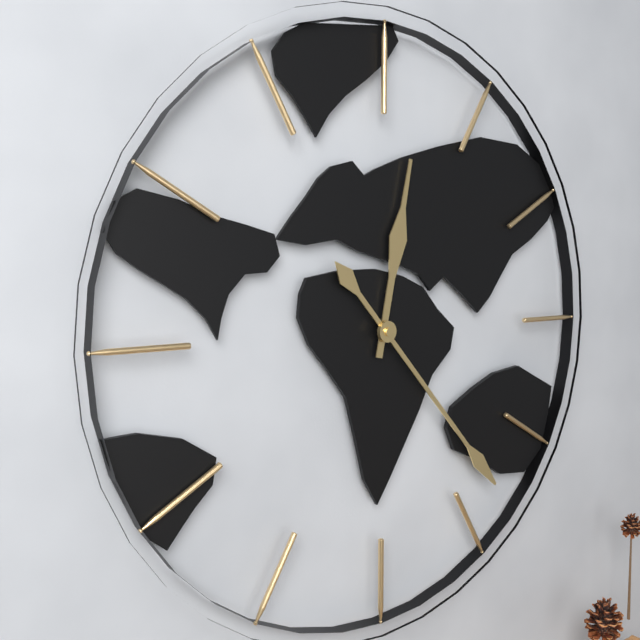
12.23
